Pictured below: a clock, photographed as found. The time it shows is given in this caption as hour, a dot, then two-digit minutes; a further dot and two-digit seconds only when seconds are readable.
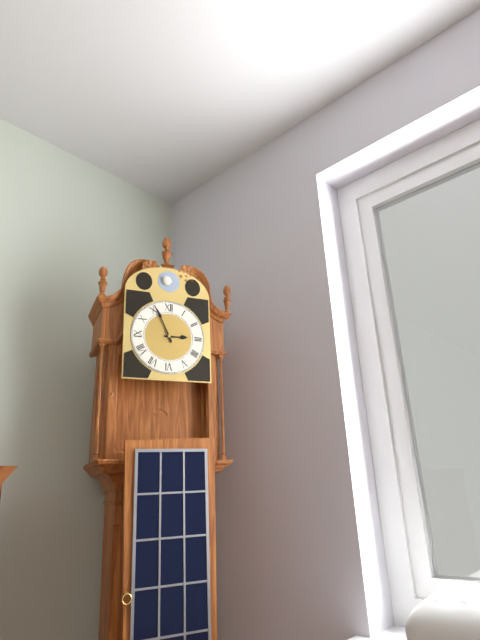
2.56
